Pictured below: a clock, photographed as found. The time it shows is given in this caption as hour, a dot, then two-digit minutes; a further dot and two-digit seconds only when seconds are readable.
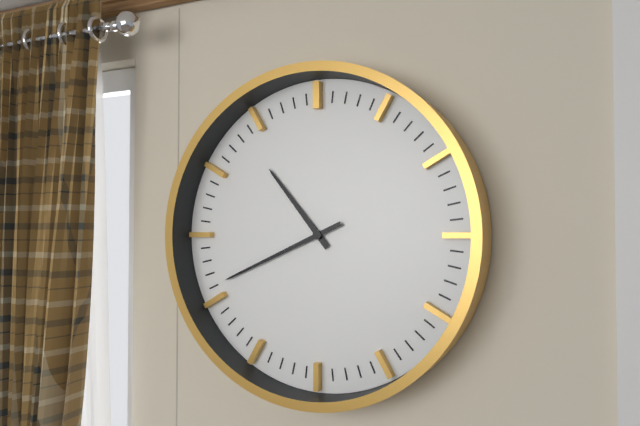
10.41
